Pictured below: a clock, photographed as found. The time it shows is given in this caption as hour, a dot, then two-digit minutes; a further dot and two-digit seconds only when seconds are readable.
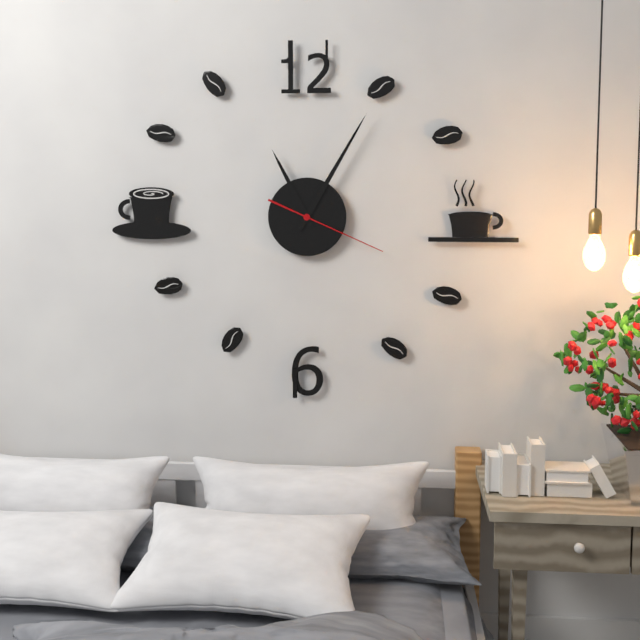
11.05.19
